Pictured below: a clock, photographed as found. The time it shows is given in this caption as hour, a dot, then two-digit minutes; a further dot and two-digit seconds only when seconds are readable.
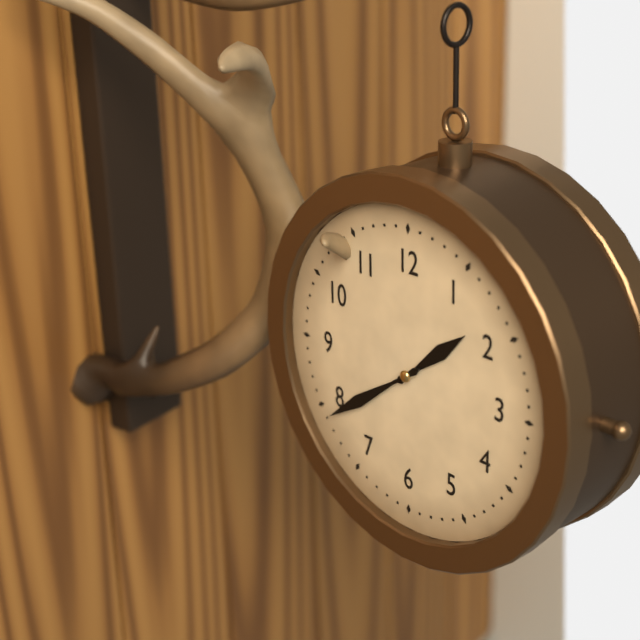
1.39
